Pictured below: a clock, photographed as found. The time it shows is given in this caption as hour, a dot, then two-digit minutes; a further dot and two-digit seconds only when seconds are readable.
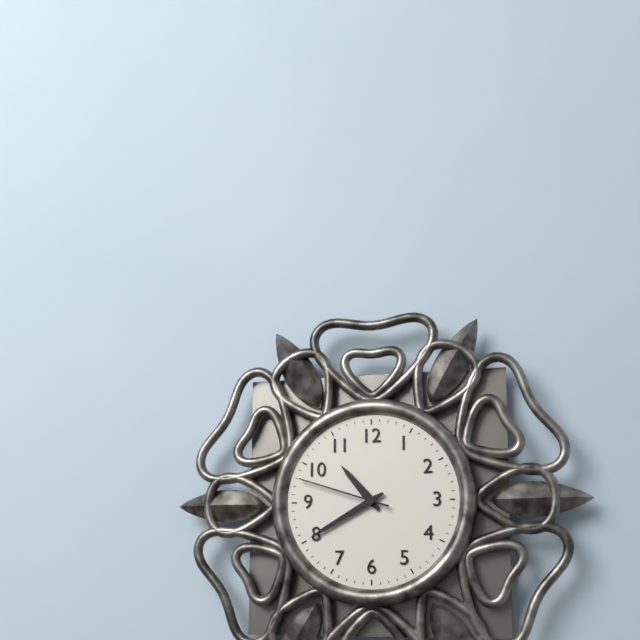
10.40.48
